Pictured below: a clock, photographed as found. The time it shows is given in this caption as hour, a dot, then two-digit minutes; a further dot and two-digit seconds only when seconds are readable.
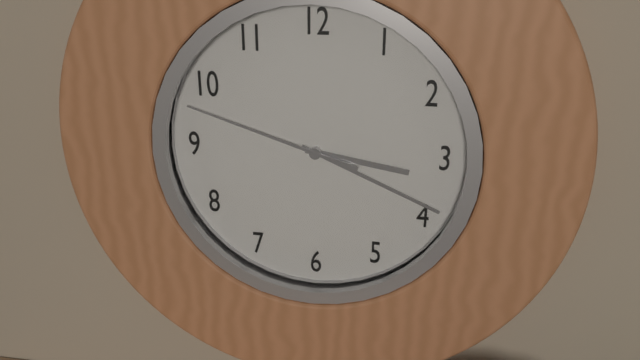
3.19.48
